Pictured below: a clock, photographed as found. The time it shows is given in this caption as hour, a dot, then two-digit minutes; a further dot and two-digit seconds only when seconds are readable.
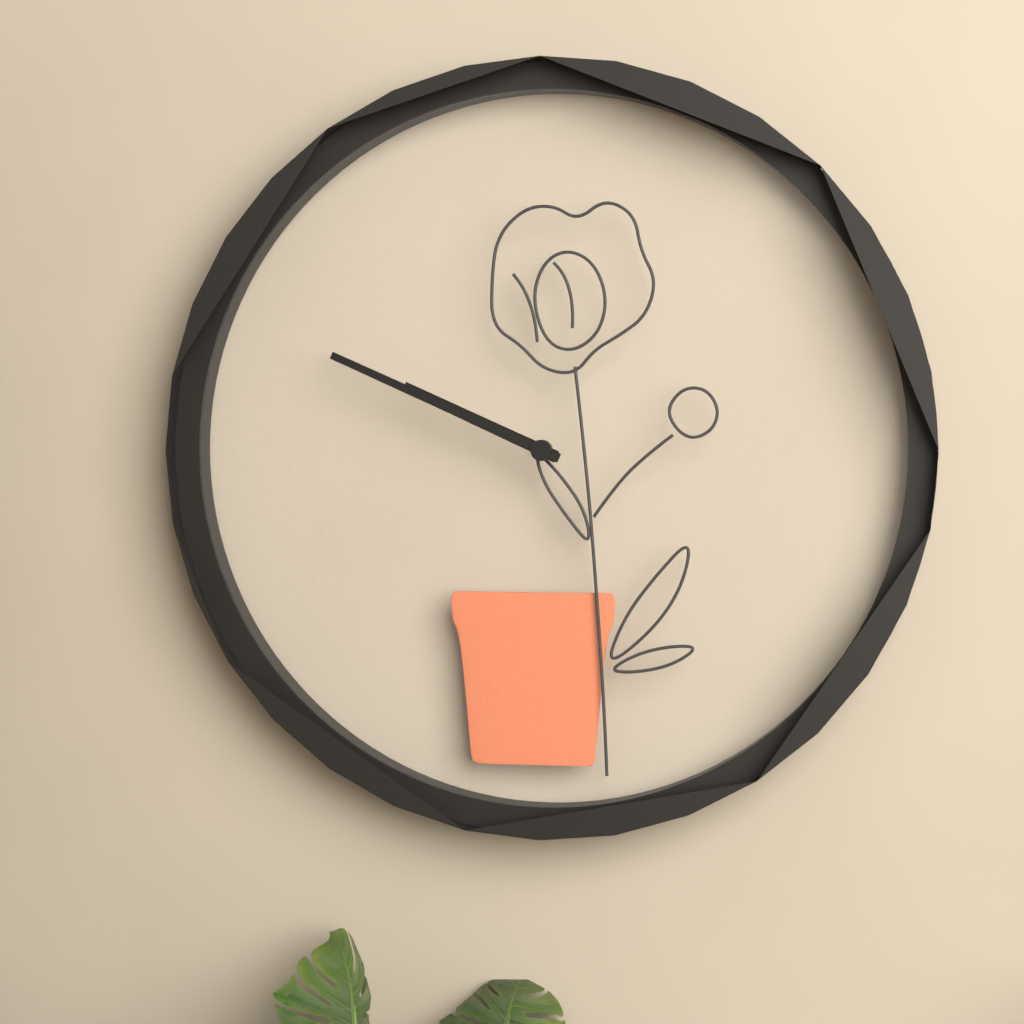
9.49
